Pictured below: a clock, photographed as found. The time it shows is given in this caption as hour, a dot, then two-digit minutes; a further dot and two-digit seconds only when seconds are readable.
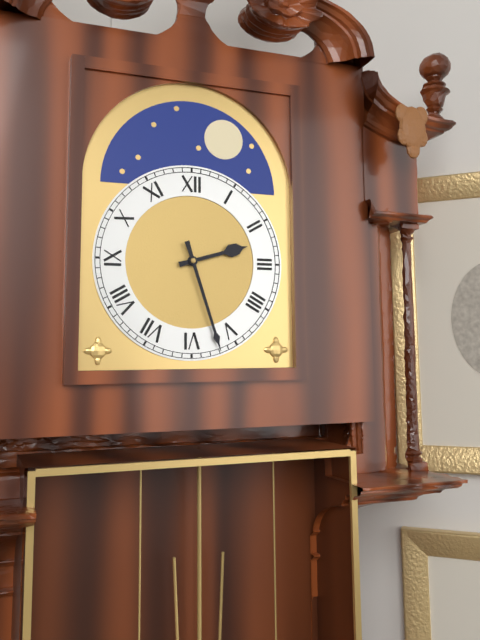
2.27
